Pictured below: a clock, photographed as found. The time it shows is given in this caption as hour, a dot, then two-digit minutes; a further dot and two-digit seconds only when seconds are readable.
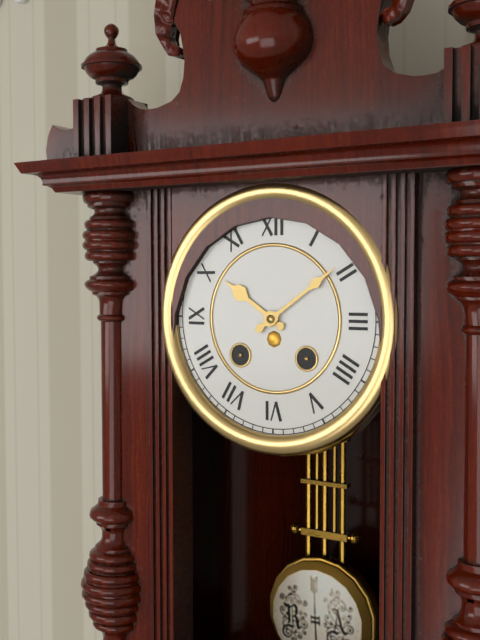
10.09
